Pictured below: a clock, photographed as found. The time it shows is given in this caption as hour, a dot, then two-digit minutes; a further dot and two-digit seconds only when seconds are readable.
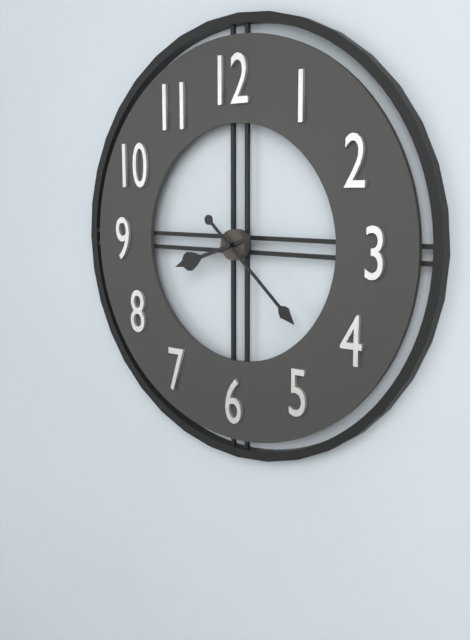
8.22
